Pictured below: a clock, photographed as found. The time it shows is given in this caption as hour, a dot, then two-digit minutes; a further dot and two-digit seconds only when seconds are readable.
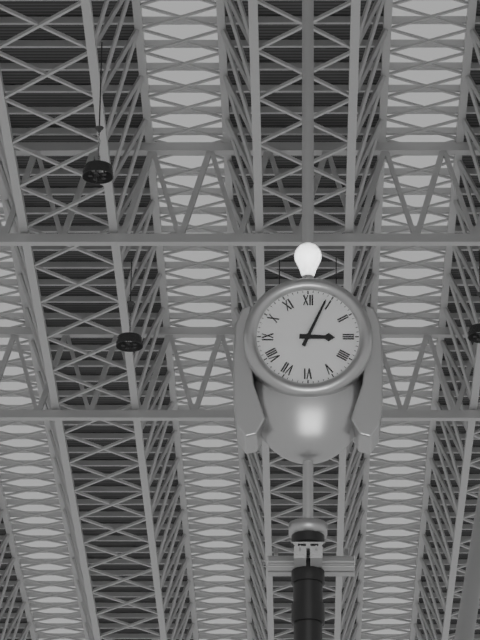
3.04
